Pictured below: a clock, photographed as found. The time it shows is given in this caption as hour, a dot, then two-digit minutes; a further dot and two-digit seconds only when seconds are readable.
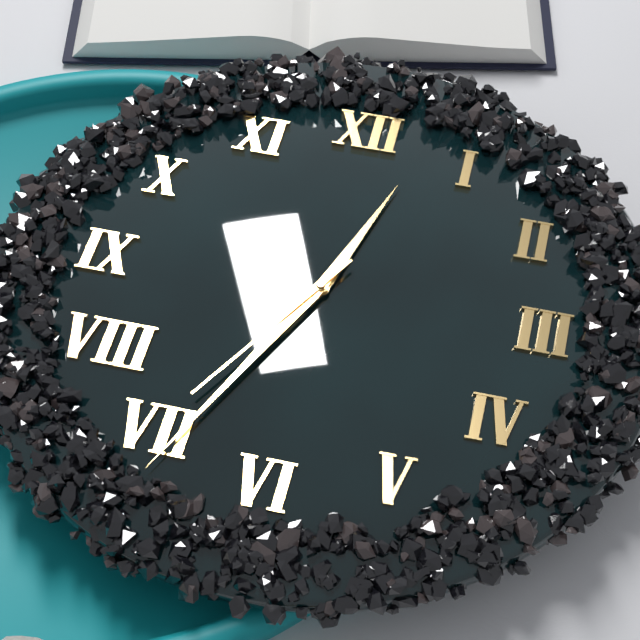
12.34.35
